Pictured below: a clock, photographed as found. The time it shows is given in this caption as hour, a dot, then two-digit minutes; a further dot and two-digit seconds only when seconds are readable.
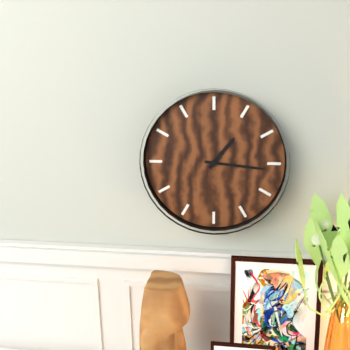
1.16
